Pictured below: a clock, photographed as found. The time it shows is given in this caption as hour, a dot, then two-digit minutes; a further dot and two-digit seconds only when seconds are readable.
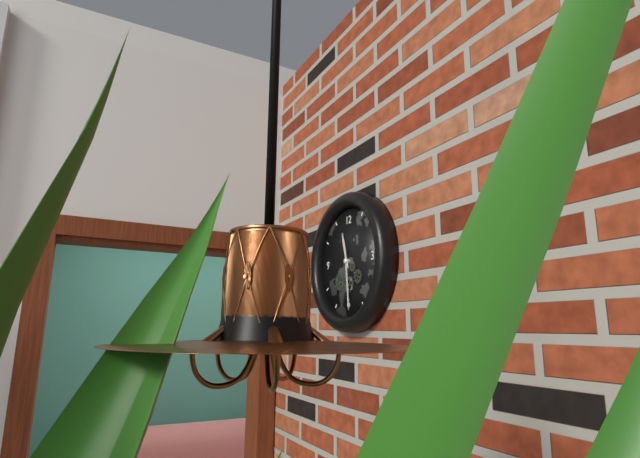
11.29
